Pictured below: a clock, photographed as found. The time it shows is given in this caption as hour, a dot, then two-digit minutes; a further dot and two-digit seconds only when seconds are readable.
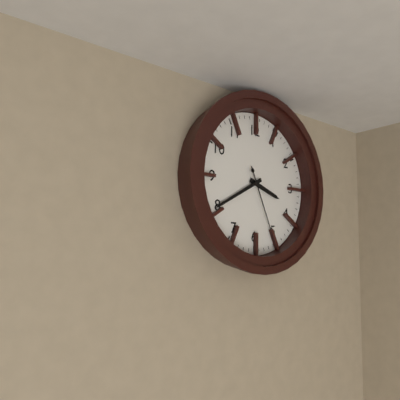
3.40.26
